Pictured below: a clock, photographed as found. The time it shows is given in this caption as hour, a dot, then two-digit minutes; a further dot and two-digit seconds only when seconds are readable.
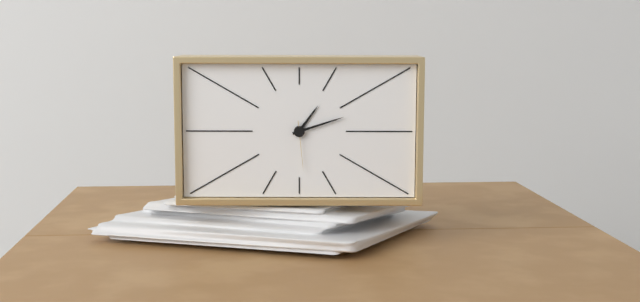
1.12
